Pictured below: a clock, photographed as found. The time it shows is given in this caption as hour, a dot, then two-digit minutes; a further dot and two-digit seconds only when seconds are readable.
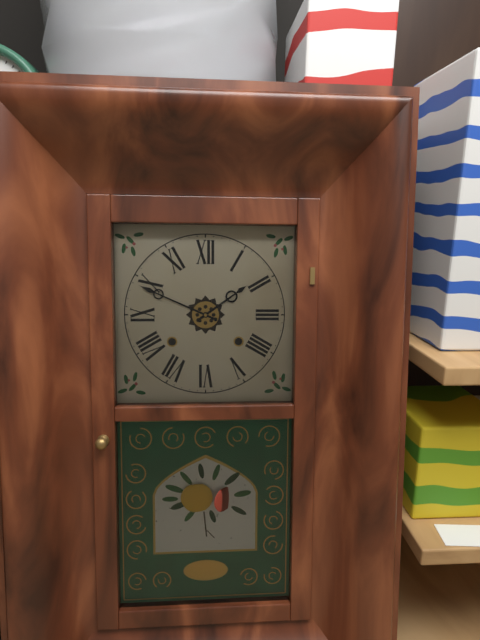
1.49
